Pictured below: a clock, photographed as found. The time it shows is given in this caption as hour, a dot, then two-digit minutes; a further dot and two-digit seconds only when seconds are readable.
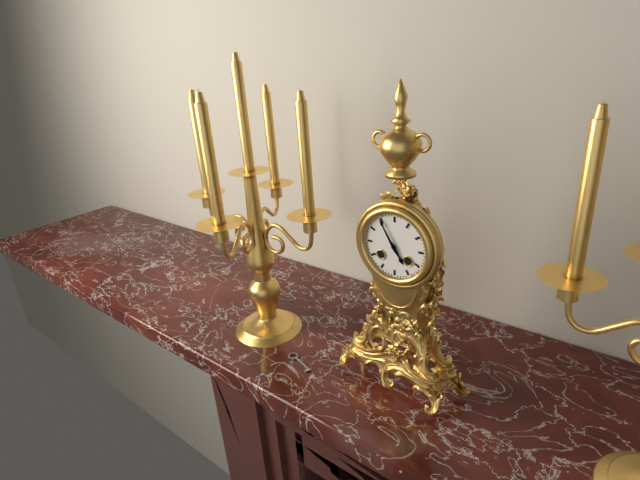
4.55
